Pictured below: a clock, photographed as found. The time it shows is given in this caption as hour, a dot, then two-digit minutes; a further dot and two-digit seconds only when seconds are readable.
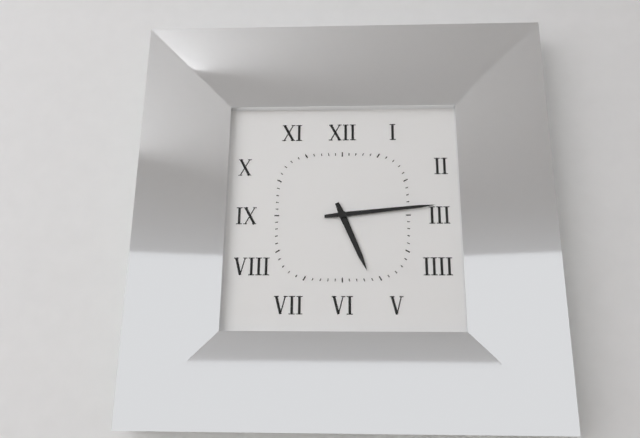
5.14
